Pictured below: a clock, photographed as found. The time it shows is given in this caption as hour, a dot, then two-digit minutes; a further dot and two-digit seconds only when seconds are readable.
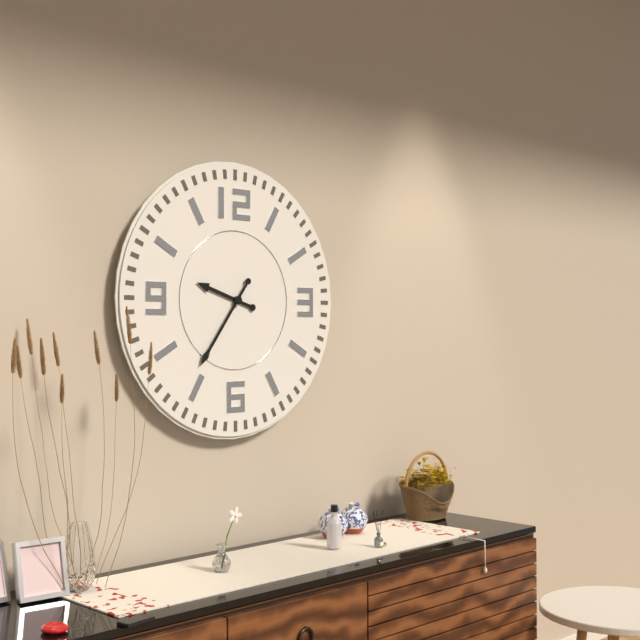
9.36
